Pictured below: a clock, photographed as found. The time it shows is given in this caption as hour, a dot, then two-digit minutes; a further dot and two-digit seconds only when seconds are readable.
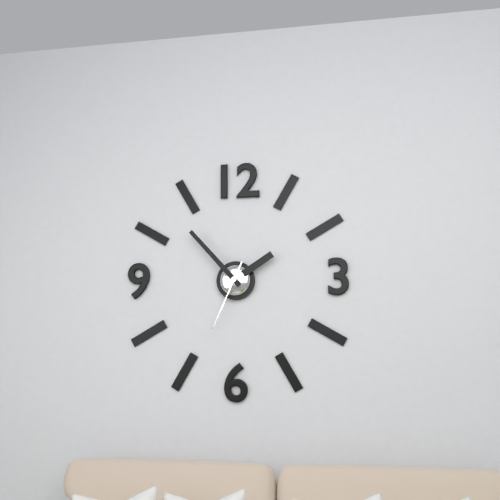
1.53.34
